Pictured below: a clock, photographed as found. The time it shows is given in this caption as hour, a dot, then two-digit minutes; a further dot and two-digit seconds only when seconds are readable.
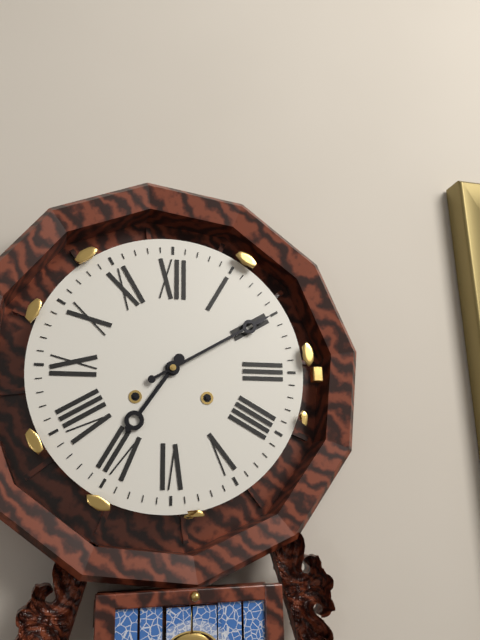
7.10
